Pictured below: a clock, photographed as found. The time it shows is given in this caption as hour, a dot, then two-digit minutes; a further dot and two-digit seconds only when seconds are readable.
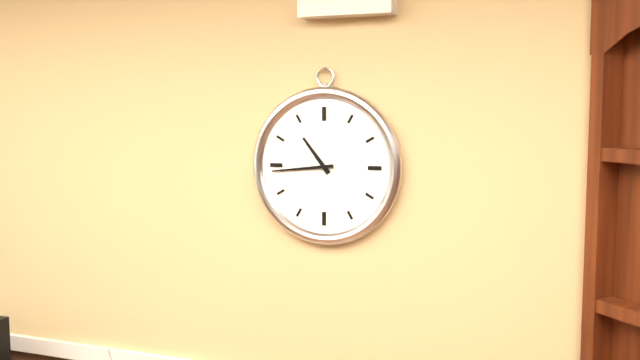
10.44
